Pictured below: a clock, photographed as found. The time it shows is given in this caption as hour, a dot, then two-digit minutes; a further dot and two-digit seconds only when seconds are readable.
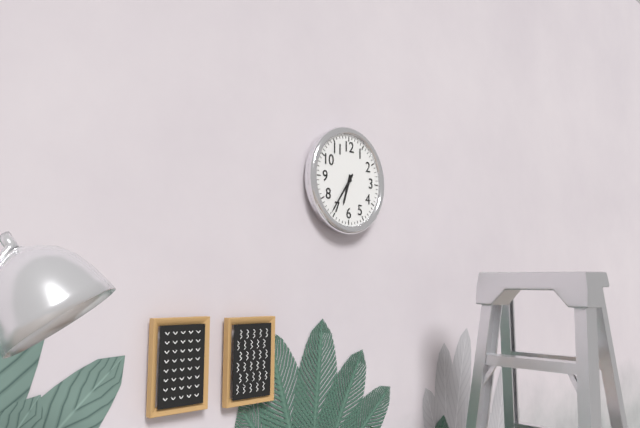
6.36
